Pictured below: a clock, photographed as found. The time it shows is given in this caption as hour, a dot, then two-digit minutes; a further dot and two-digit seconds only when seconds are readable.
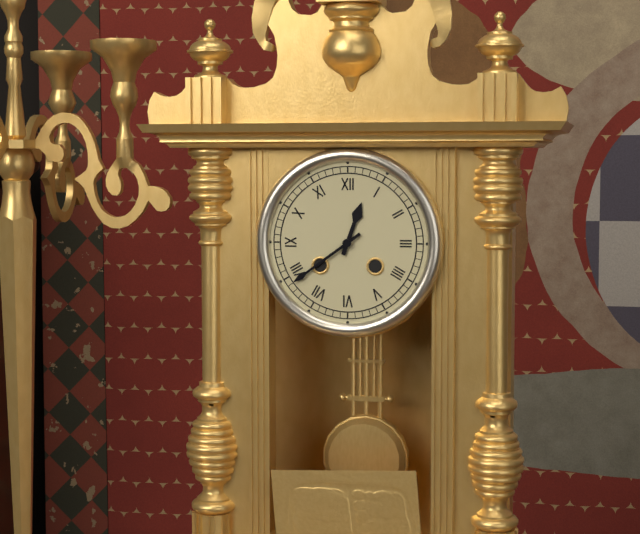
12.39
